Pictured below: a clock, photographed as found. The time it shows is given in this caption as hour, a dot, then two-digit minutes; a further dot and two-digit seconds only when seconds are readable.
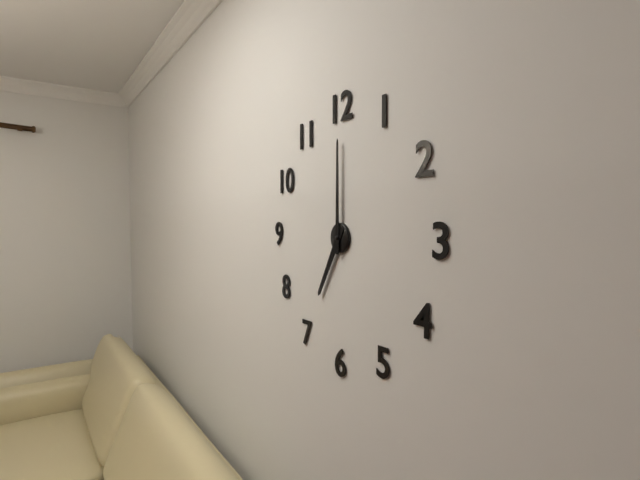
7.00
